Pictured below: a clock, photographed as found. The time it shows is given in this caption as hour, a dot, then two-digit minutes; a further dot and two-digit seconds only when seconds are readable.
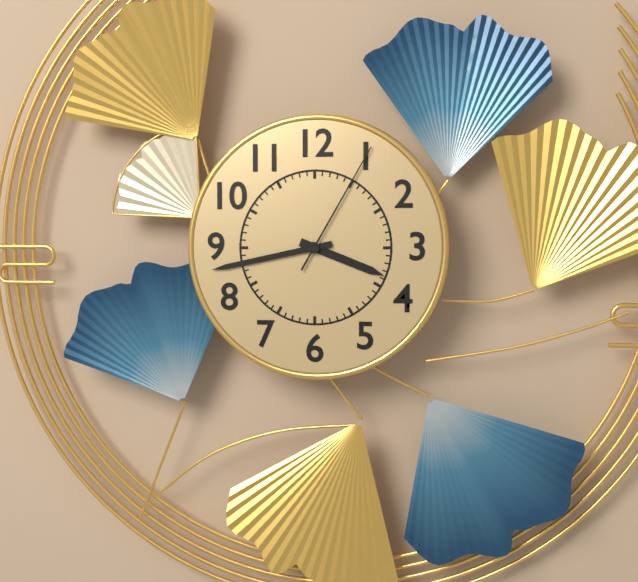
3.43.05
